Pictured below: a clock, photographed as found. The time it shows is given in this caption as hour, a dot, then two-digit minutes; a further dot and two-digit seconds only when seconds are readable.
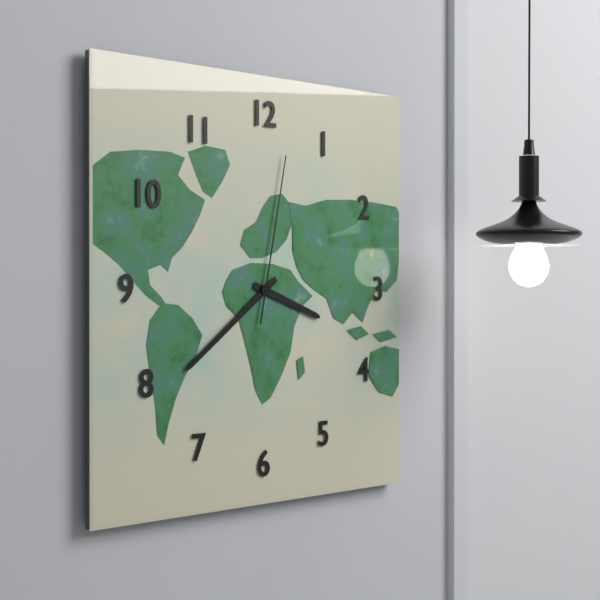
3.39.02
